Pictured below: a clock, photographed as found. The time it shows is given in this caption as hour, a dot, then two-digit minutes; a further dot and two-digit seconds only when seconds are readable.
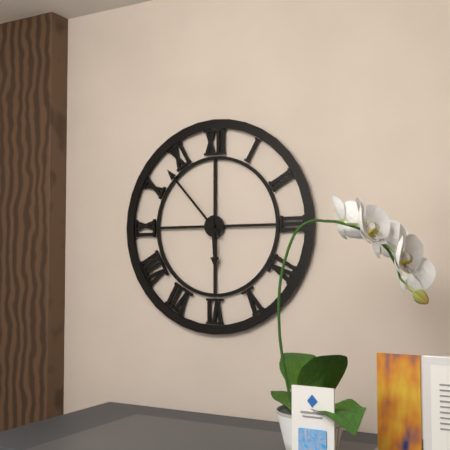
5.53
